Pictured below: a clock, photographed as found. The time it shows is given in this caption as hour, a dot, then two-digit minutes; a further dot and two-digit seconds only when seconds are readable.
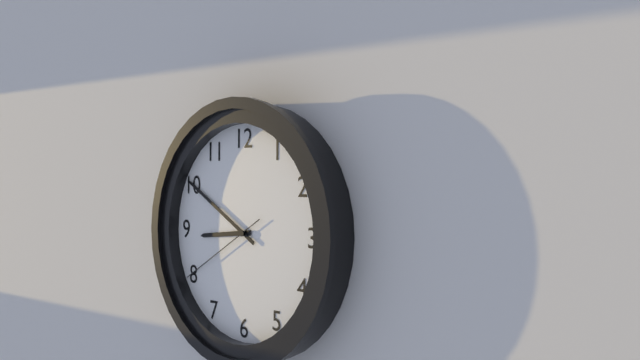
8.50.40
